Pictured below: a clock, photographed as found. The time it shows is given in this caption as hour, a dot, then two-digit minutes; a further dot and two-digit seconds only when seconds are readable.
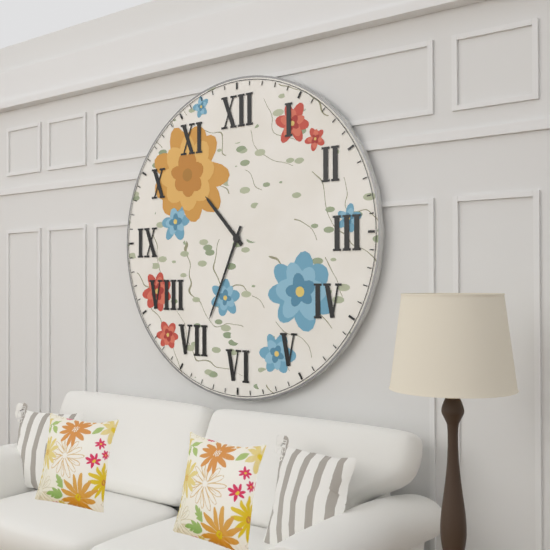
10.34
